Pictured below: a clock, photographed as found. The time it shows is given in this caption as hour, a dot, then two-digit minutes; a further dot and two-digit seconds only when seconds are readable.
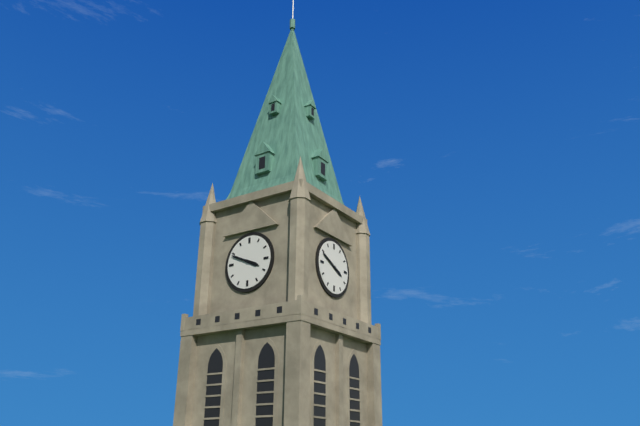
3.49
